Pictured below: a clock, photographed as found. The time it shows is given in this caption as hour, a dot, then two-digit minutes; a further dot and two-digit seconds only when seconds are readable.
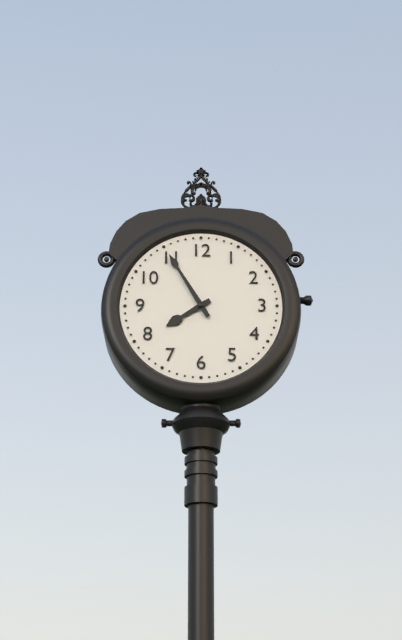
7.55
